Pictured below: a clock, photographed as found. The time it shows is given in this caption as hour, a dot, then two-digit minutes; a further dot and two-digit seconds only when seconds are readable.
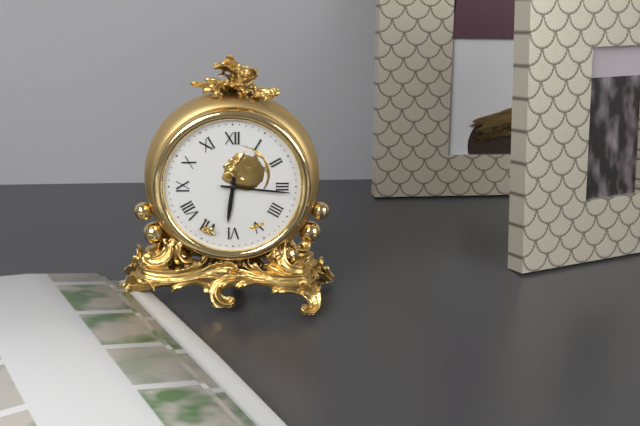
6.16
